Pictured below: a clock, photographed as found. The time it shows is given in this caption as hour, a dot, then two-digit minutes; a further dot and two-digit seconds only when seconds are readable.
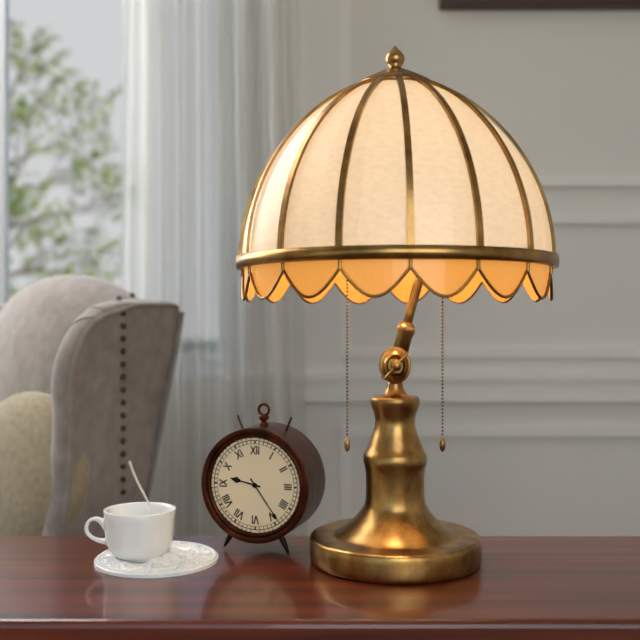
9.24
